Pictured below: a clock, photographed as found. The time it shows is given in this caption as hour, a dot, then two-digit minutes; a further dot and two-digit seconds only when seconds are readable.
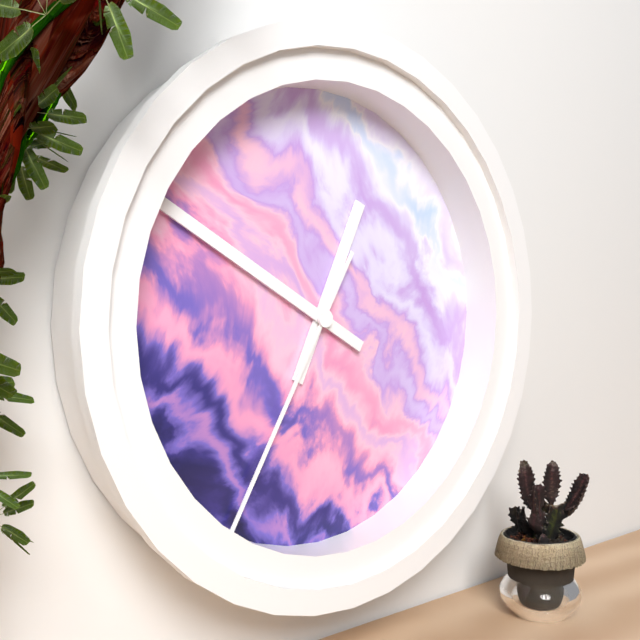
12.50.35
